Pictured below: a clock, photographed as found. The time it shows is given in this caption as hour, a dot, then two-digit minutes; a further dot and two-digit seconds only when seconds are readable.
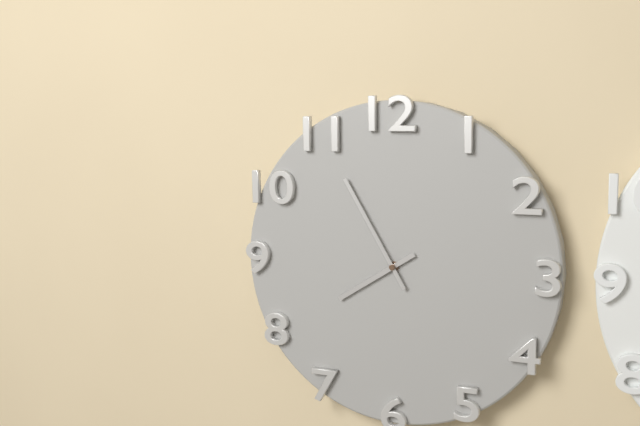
7.55
